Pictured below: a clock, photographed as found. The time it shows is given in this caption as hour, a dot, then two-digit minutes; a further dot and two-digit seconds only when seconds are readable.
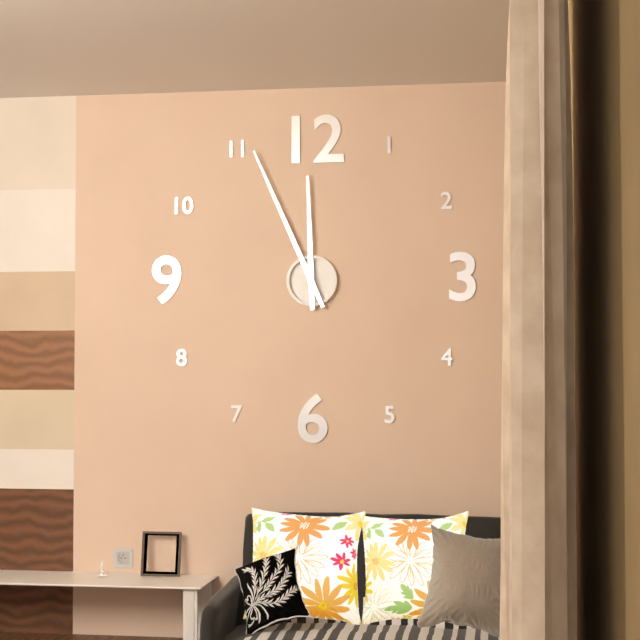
11.56
